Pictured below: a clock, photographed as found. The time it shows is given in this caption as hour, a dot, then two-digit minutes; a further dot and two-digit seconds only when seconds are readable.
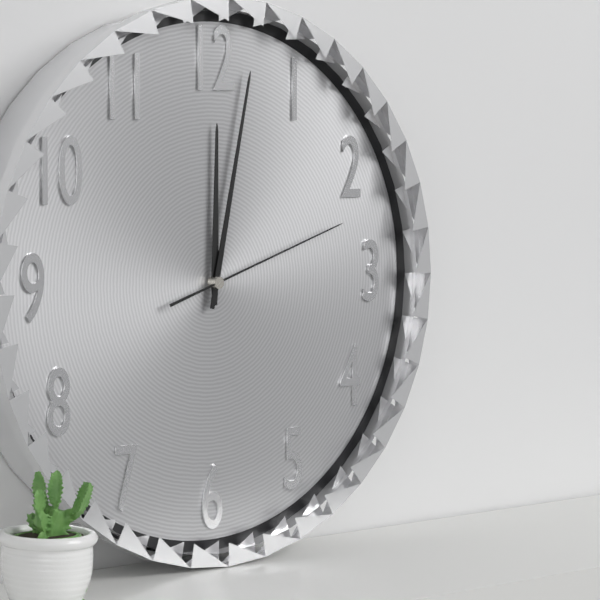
12.02.12
